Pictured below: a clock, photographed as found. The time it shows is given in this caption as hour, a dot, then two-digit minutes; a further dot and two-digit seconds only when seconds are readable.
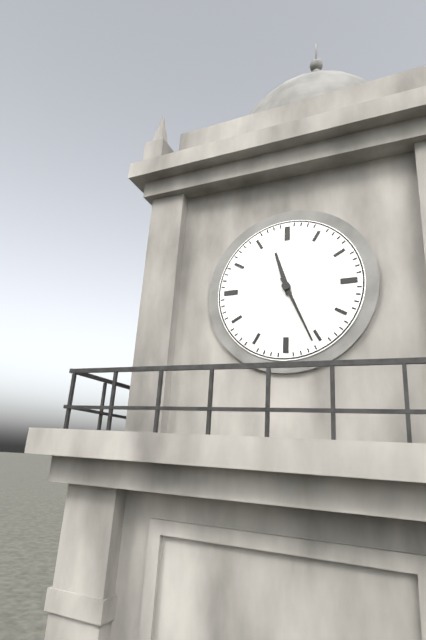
11.26
